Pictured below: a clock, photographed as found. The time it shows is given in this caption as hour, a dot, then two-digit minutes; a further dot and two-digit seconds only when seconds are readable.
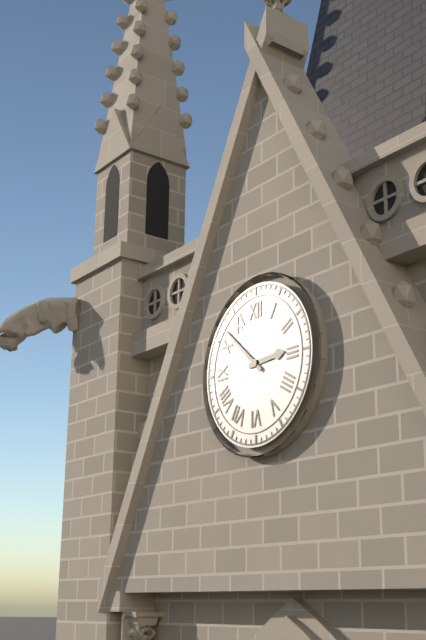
2.52
